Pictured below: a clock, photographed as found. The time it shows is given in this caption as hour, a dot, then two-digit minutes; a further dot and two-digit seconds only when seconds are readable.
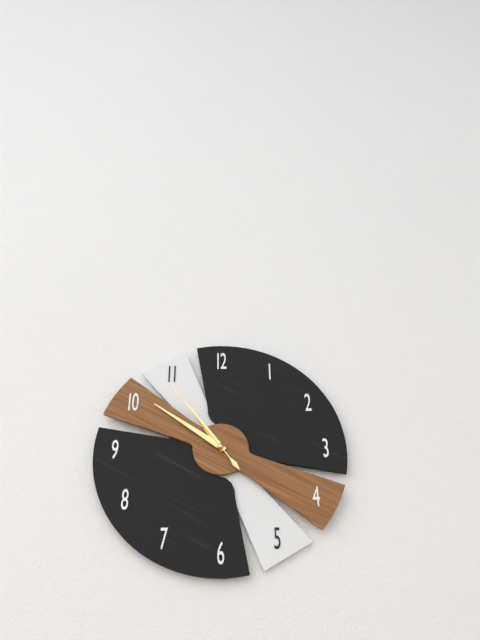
10.51.54
